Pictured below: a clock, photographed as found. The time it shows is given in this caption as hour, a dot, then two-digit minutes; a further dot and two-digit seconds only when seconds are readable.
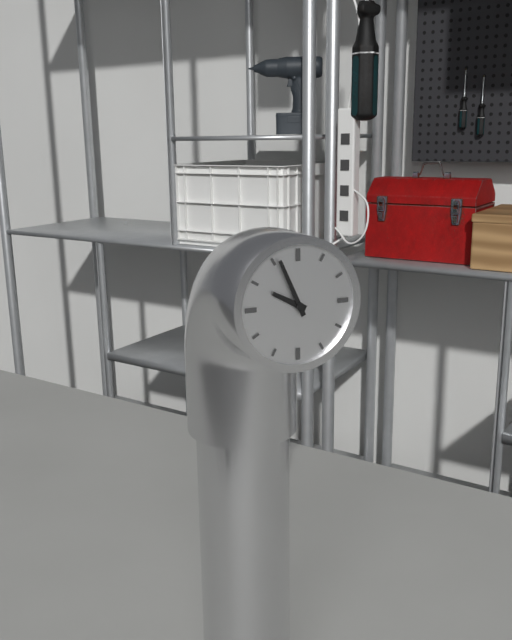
9.56
